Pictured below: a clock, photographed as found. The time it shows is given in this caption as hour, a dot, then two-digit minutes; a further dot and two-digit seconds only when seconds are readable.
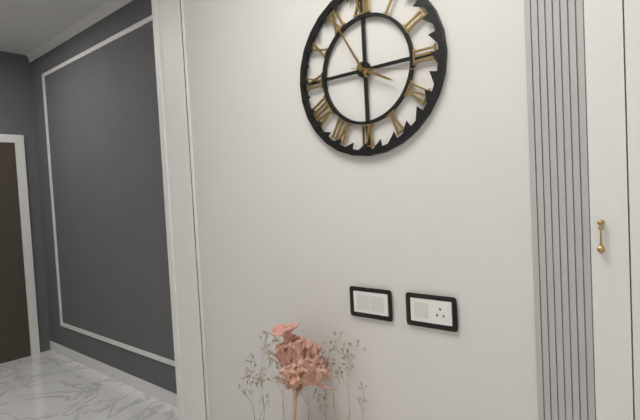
3.55.17
